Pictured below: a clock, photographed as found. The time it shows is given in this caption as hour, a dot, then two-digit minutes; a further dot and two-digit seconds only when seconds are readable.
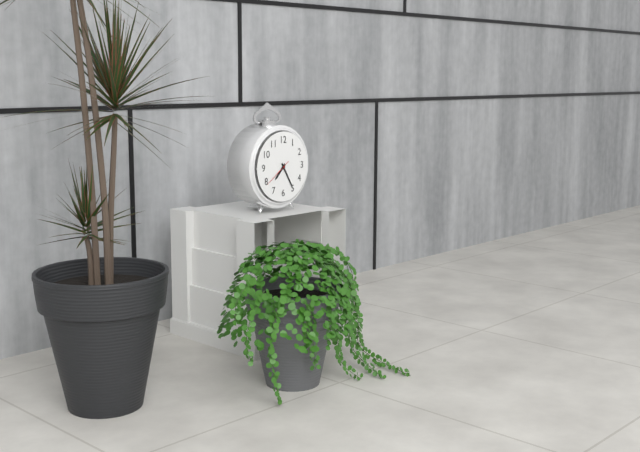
7.25
